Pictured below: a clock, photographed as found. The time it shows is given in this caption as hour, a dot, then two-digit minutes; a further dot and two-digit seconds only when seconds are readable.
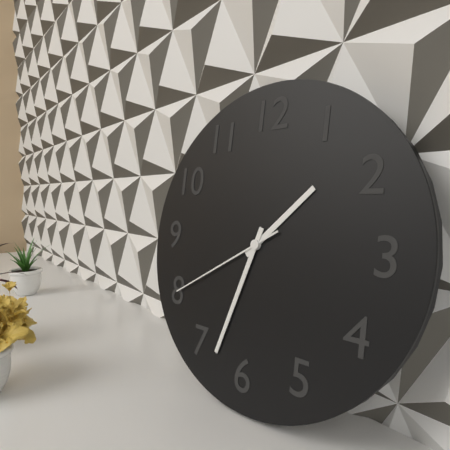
1.33.40
